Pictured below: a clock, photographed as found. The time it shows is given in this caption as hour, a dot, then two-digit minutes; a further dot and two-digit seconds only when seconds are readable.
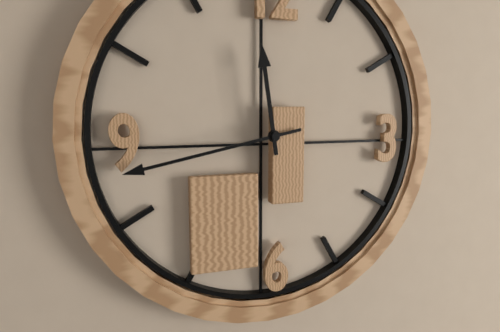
11.43
